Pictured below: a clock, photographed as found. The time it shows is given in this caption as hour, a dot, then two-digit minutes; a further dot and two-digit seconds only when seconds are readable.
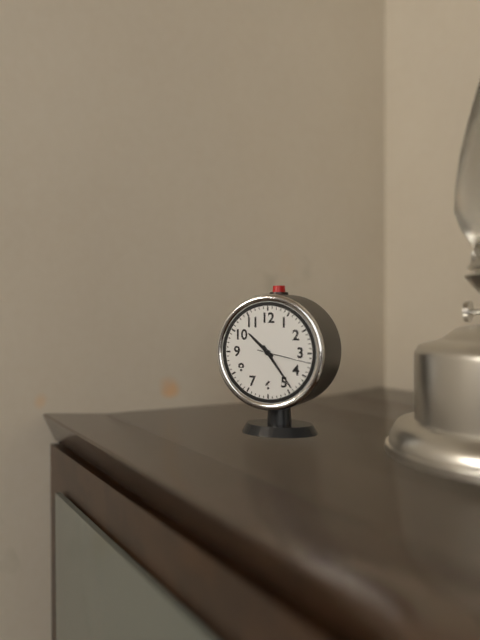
10.24
